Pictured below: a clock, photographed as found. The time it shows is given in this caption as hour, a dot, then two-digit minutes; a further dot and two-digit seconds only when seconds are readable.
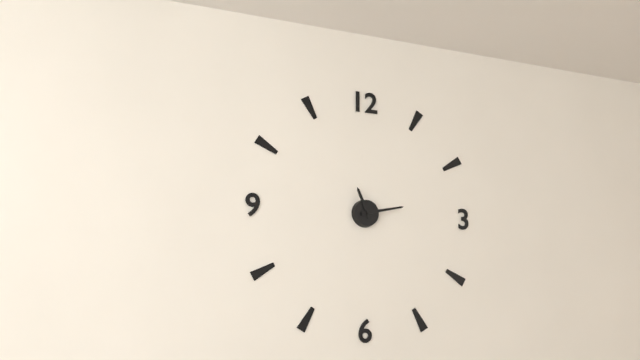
11.13
